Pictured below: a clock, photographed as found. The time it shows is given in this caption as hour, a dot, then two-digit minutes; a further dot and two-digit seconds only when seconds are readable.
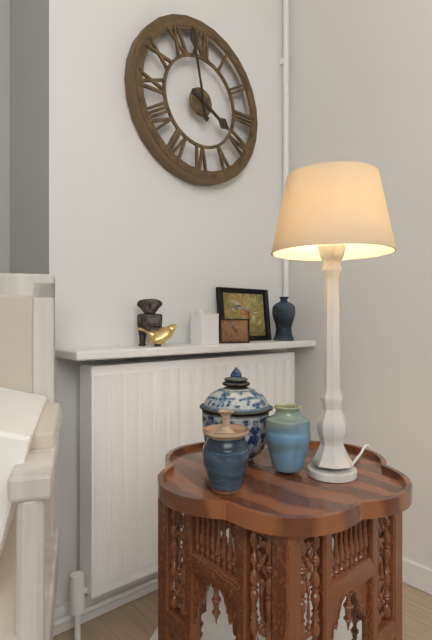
3.58
